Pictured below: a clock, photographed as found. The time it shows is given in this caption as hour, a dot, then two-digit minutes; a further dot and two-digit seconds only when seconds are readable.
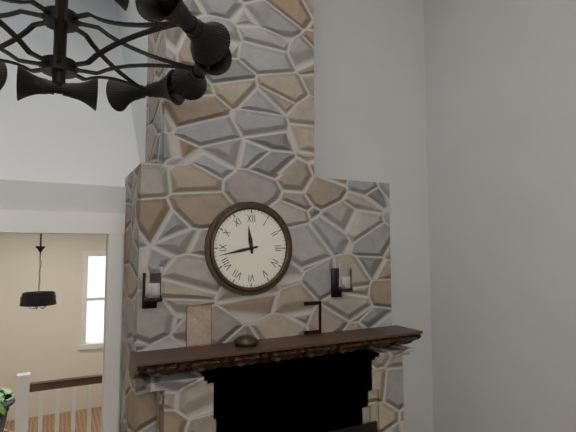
11.43
